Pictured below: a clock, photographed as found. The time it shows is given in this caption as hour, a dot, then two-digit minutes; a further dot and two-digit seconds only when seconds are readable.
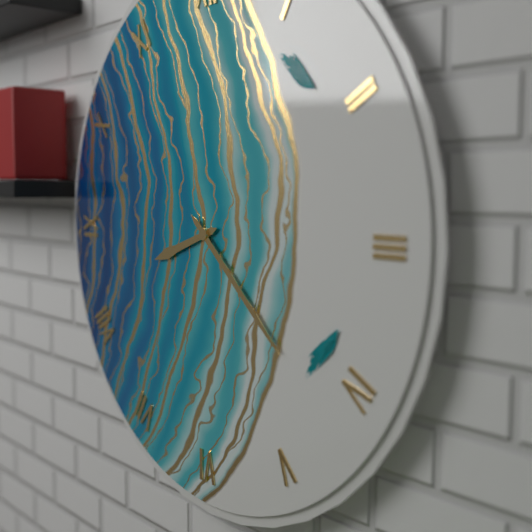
8.22
